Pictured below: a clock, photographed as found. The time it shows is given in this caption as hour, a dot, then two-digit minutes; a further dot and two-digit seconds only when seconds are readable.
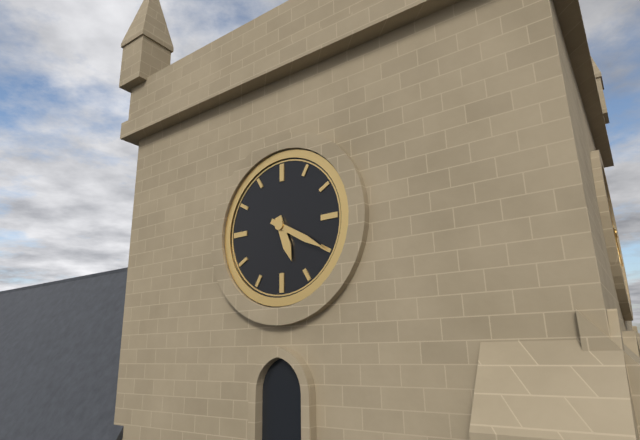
5.20
